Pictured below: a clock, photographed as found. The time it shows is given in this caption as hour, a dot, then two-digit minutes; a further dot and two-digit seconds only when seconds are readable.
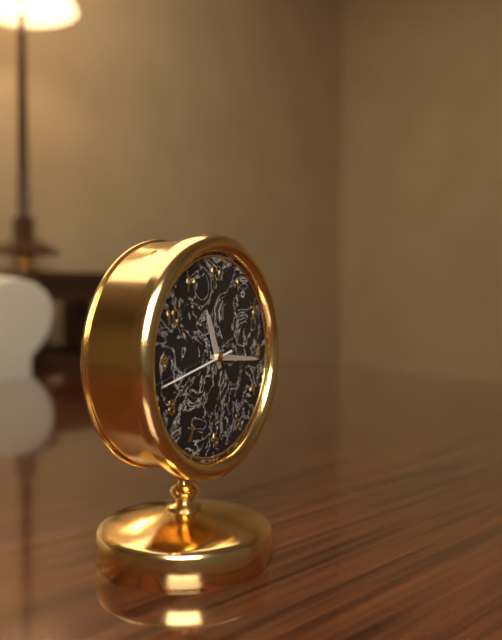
11.16.43
